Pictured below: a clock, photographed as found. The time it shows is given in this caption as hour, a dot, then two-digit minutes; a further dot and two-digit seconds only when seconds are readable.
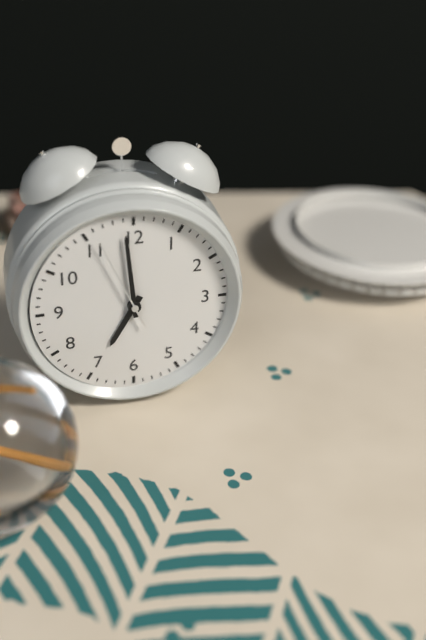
6.59.56
